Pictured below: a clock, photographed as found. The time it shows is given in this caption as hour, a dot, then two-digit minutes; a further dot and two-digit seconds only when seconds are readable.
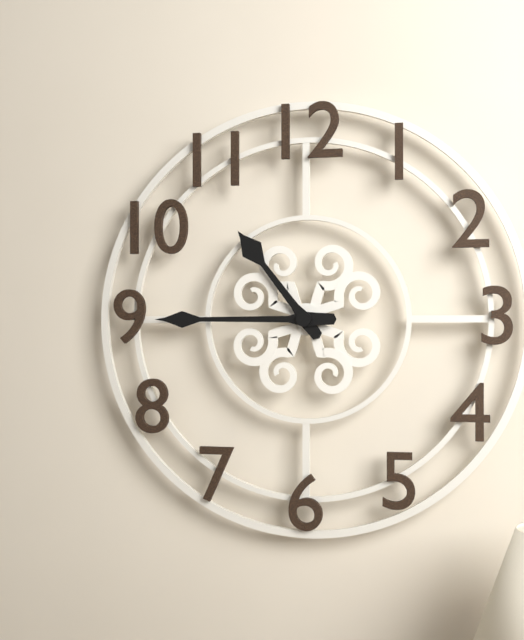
10.45
